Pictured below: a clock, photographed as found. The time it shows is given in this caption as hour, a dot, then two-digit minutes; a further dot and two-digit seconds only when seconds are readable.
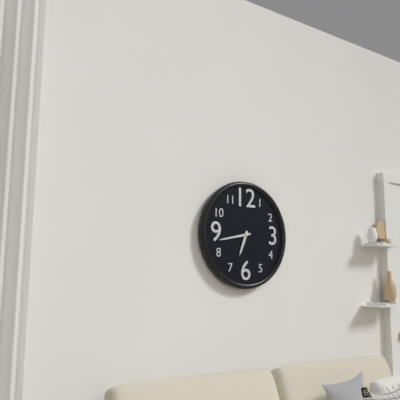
6.43
